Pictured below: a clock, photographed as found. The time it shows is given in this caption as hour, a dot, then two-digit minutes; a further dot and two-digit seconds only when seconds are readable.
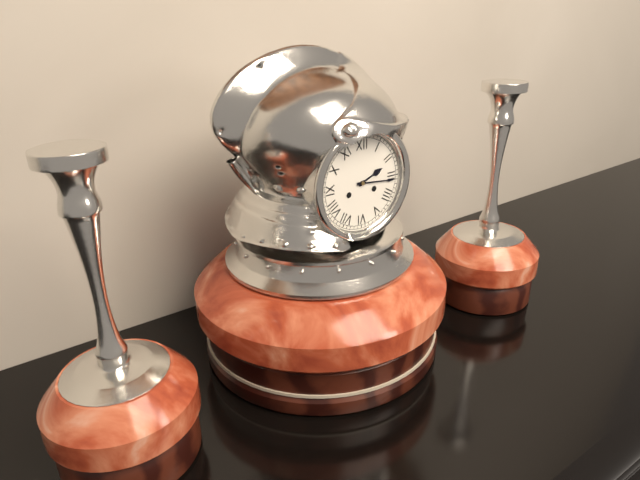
2.16
